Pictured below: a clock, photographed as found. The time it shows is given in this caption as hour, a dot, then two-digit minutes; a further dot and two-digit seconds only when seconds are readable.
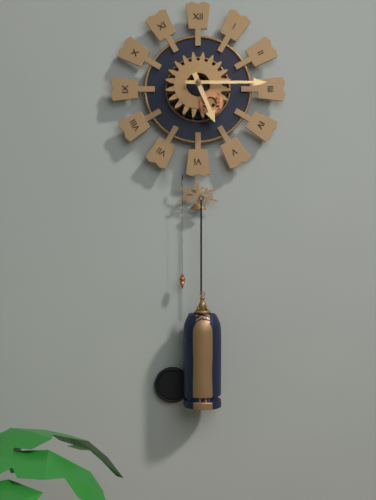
5.15
